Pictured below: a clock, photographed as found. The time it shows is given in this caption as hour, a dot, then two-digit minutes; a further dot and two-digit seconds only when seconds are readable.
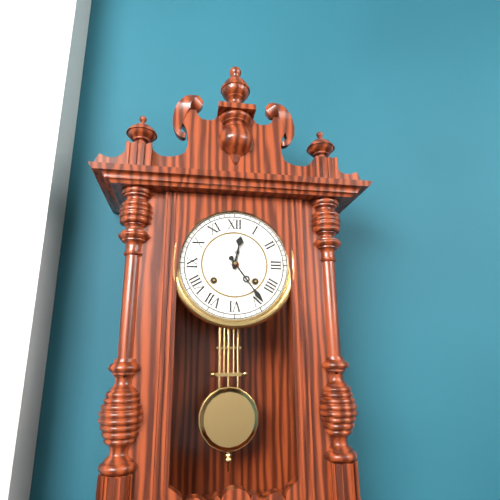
12.24
